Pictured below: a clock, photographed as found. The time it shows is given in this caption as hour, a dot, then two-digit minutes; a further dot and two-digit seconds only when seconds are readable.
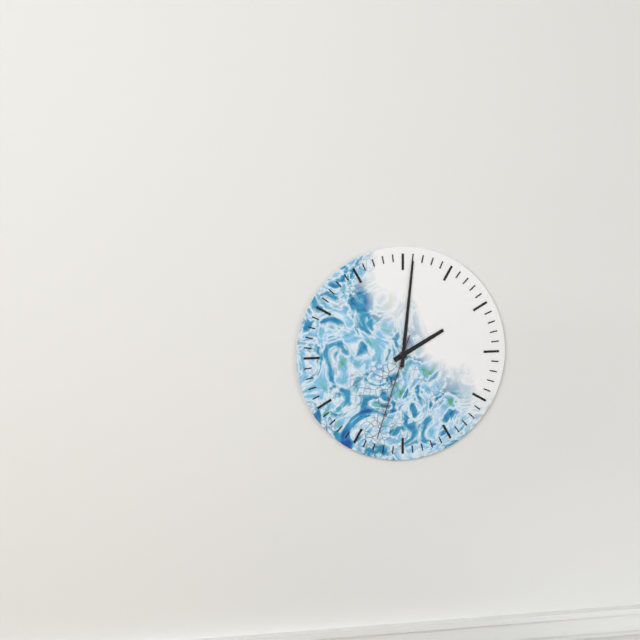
2.01.33
